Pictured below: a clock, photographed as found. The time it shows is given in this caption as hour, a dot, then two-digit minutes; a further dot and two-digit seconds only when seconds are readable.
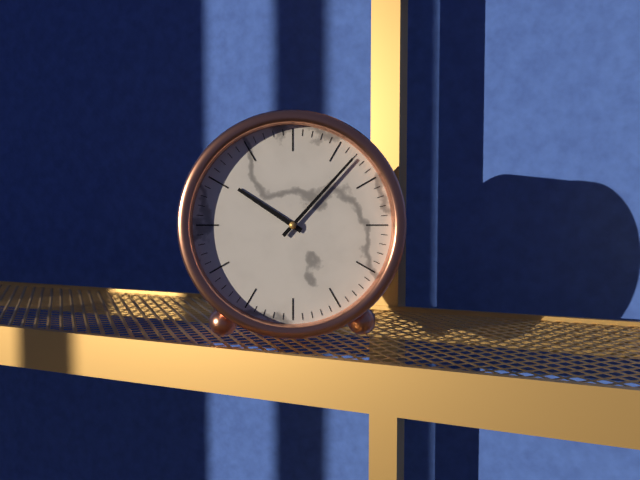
10.07
